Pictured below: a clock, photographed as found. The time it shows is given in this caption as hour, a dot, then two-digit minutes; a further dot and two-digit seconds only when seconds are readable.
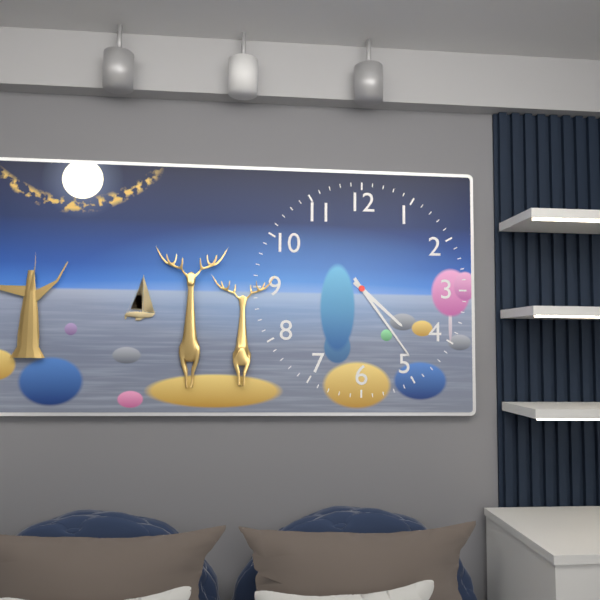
4.24
